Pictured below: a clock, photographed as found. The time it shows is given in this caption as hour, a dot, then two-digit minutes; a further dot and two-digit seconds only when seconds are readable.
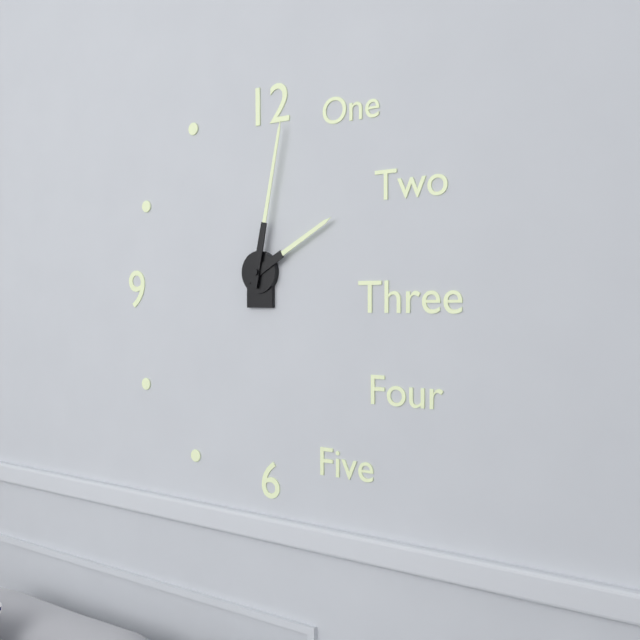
2.02
